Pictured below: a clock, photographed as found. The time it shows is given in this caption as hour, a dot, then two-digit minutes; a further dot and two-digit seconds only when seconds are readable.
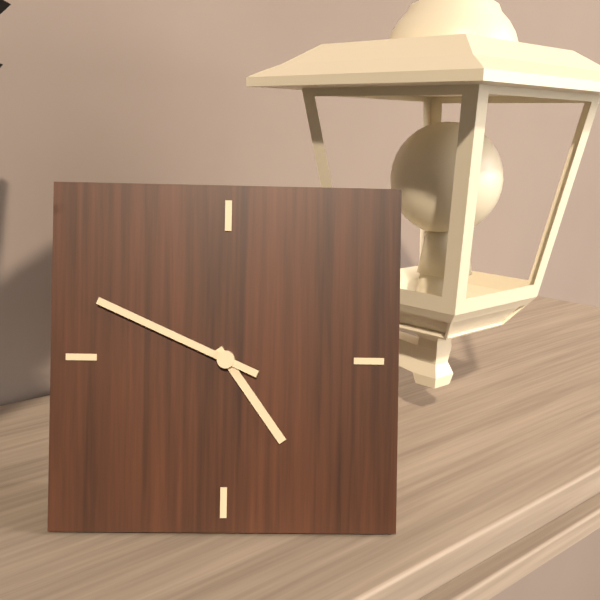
4.49
